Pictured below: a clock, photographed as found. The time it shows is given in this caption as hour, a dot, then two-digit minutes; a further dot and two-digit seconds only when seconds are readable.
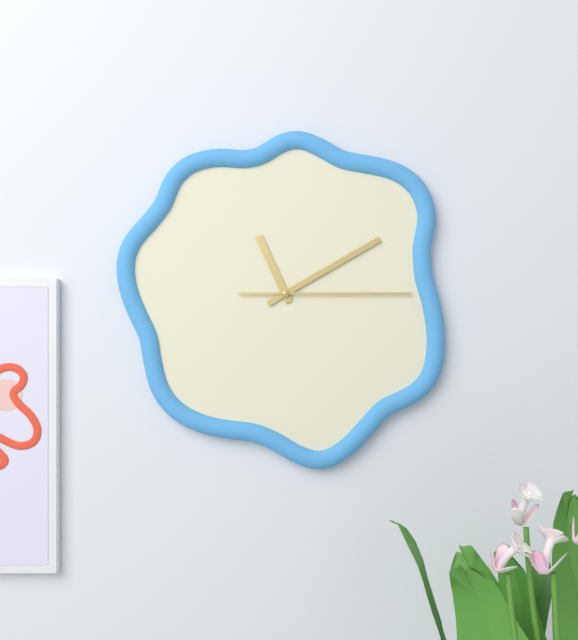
11.10.15
